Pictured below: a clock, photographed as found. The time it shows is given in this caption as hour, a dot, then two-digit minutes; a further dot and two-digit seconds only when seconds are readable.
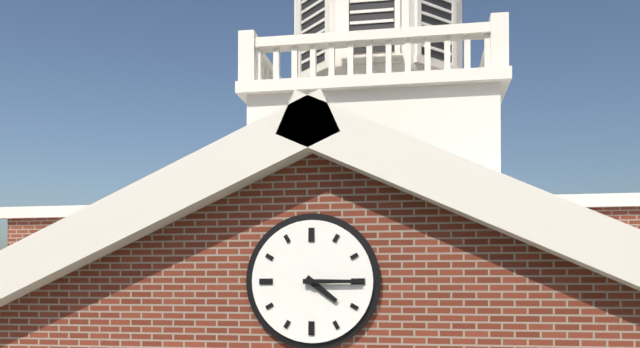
4.15
